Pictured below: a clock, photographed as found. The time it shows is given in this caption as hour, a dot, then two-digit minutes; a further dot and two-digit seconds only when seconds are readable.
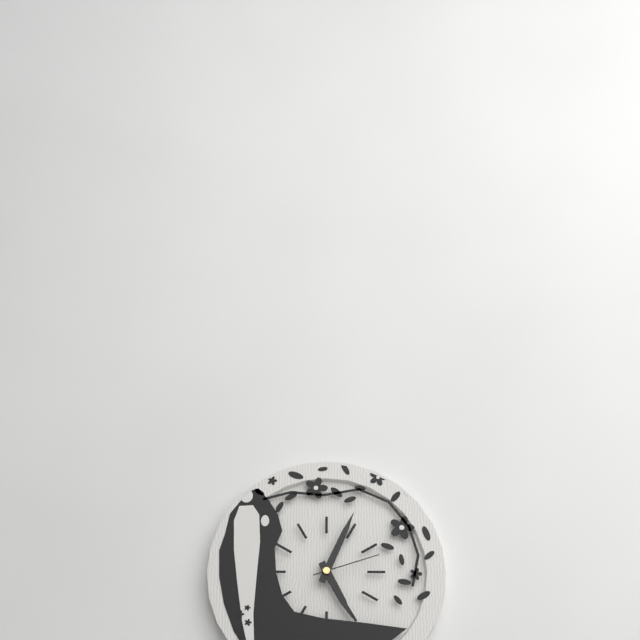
5.04.12
